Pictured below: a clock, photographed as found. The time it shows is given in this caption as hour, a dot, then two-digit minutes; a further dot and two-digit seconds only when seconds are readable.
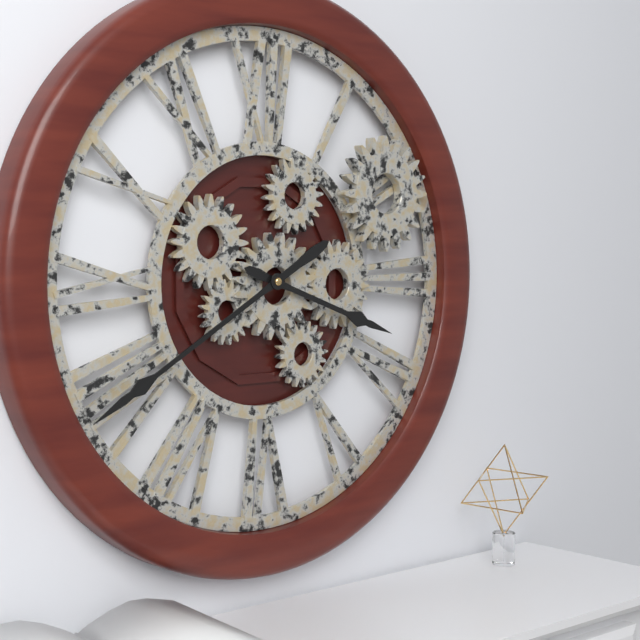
3.40
